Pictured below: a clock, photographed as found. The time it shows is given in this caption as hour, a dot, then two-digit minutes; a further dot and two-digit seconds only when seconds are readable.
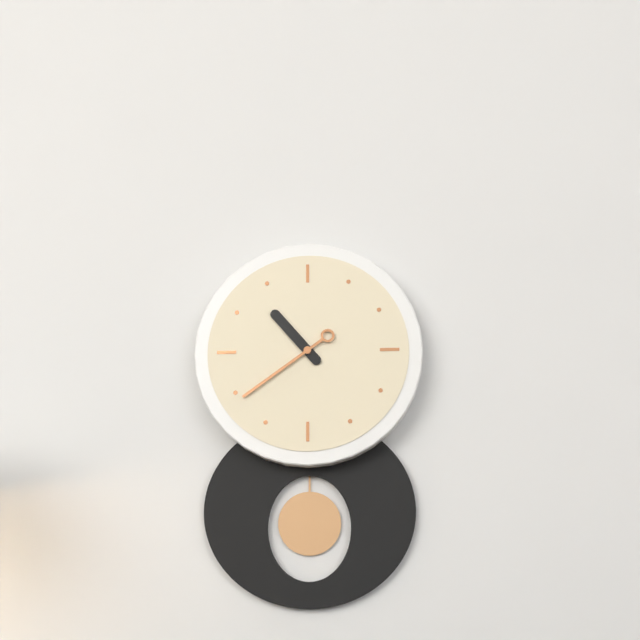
10.39
